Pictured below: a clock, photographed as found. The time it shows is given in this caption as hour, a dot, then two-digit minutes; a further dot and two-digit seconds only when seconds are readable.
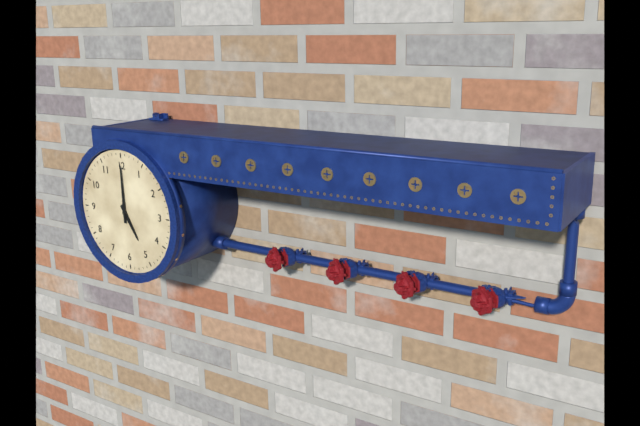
5.00
